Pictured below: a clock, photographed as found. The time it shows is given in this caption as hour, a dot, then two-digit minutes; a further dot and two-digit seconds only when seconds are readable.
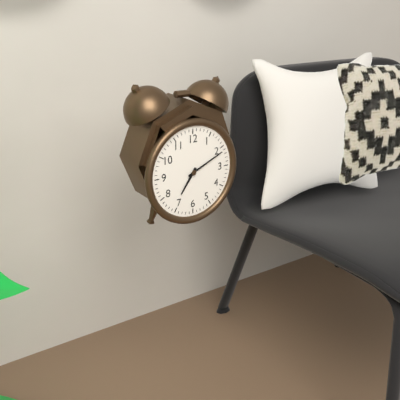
7.11
